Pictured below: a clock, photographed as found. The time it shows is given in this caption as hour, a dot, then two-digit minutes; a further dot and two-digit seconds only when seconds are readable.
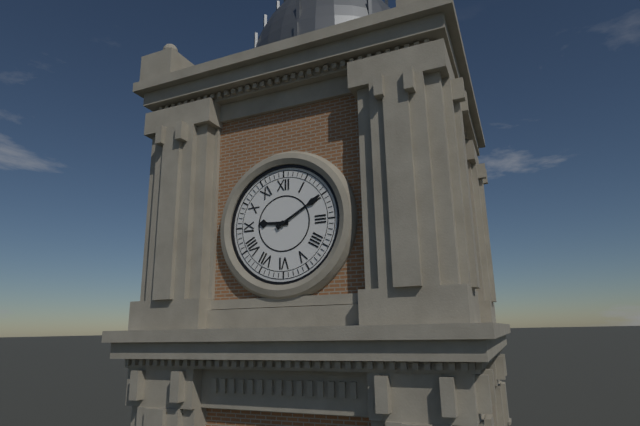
9.10
